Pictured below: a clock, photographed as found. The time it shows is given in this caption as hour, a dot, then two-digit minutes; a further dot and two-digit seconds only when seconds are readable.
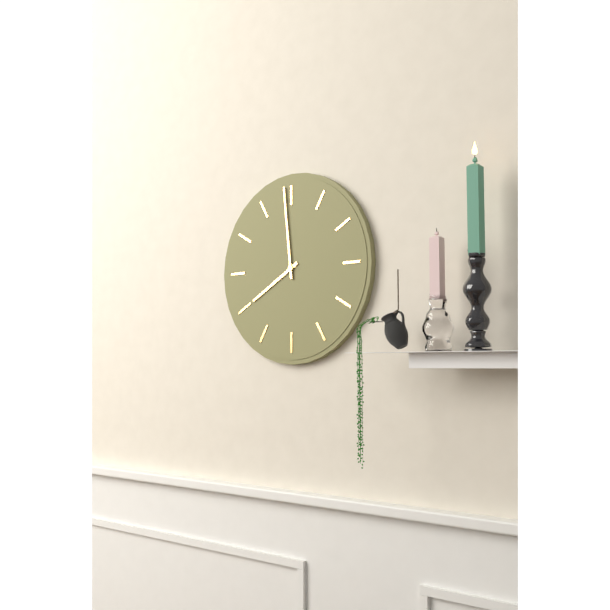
7.59
